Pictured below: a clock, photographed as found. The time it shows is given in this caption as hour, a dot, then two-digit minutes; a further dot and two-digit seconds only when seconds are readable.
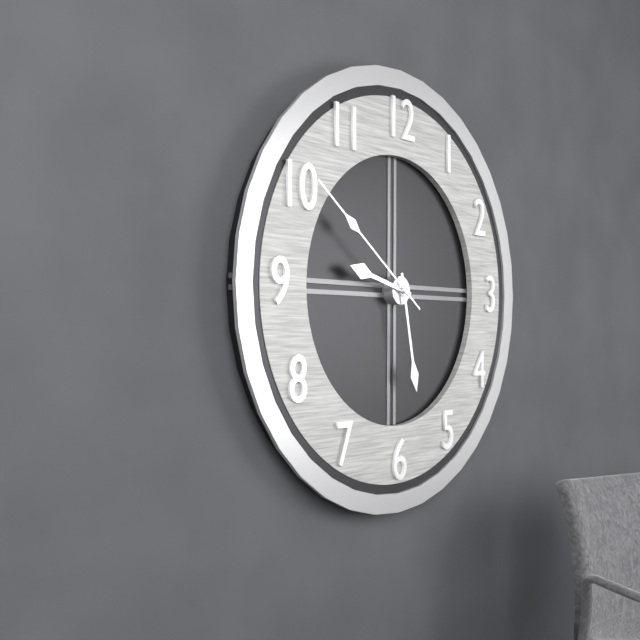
9.28.51
